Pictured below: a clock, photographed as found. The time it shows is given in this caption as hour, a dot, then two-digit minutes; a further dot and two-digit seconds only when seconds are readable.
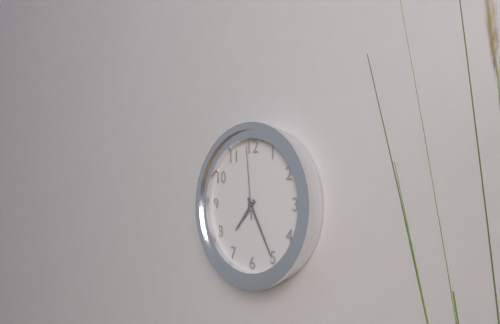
7.25.59
